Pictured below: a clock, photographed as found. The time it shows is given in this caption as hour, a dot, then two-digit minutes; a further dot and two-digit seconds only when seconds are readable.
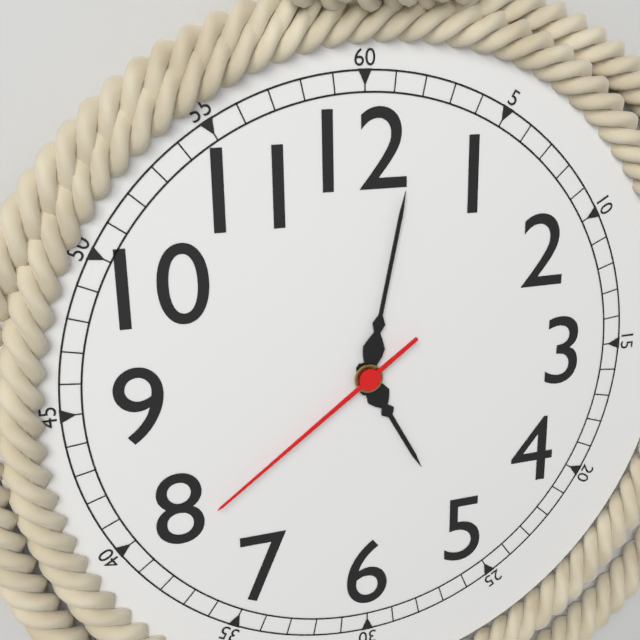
5.02.39
